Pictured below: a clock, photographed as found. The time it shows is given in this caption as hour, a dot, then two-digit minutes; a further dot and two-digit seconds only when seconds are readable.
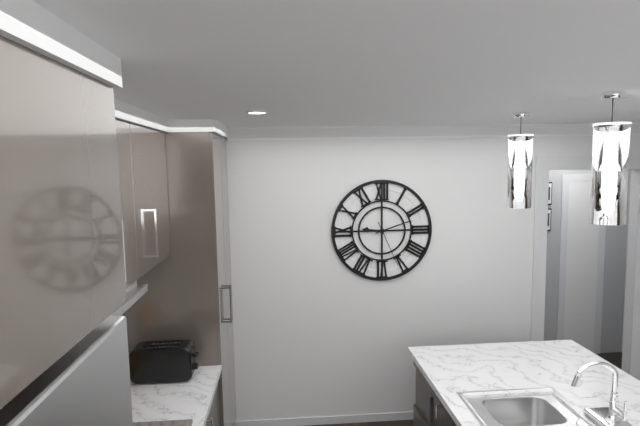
9.12
